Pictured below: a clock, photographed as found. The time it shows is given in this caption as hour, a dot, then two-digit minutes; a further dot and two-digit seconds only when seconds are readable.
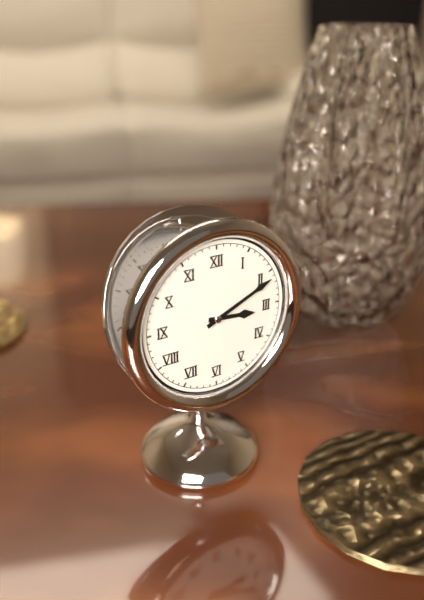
3.11
